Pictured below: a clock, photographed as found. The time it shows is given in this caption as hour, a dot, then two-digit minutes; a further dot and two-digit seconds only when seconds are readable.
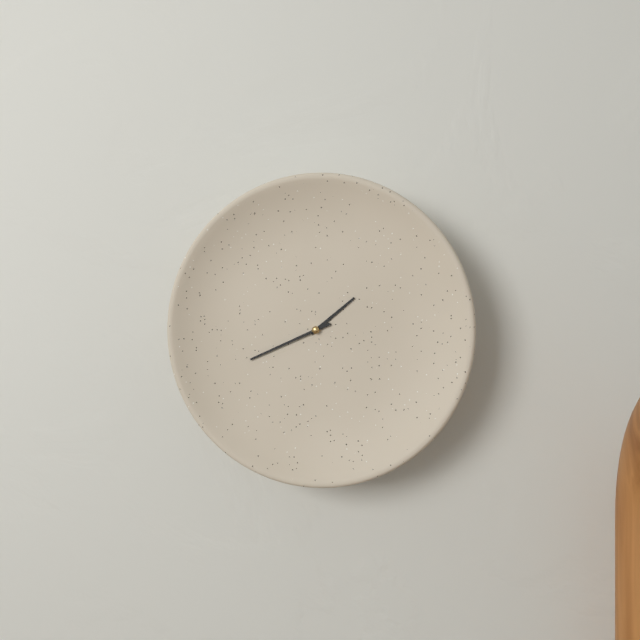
1.41
